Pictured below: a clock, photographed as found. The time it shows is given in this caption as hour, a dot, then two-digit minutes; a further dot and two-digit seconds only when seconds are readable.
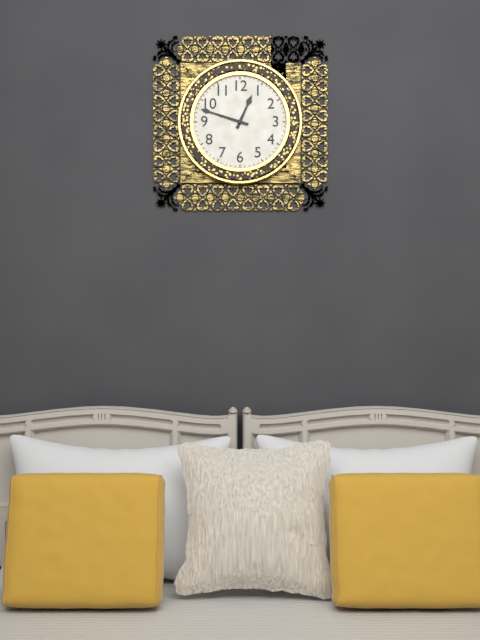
12.48
